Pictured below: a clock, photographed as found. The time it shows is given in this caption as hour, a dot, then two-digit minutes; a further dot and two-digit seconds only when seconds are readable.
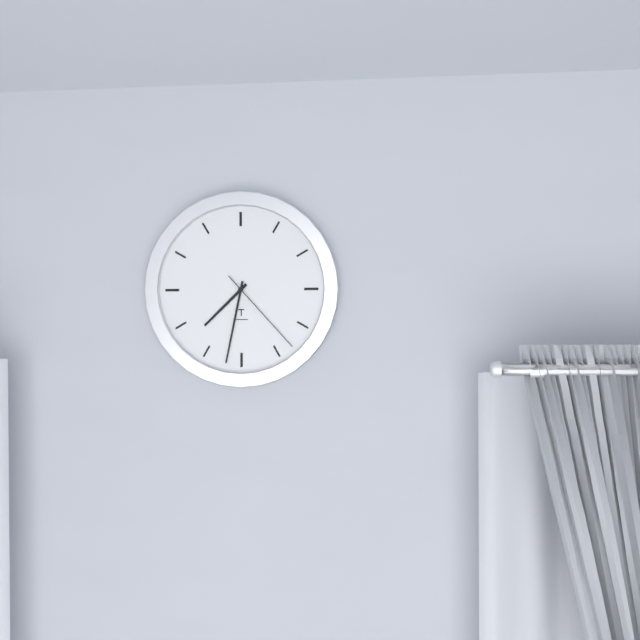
7.32.23
